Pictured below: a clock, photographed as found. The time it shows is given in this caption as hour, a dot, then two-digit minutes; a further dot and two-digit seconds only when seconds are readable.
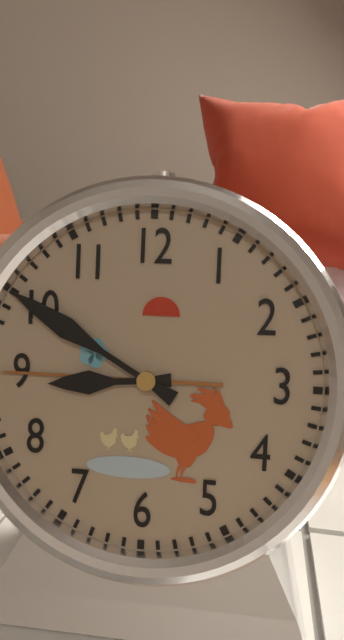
8.50
